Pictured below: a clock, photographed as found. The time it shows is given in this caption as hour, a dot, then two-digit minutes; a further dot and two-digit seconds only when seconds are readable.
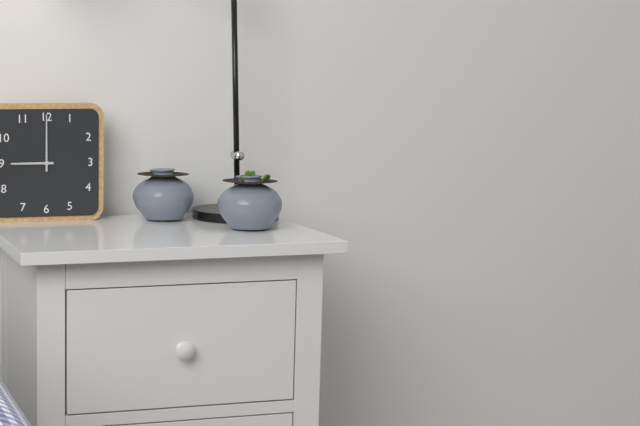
9.00
